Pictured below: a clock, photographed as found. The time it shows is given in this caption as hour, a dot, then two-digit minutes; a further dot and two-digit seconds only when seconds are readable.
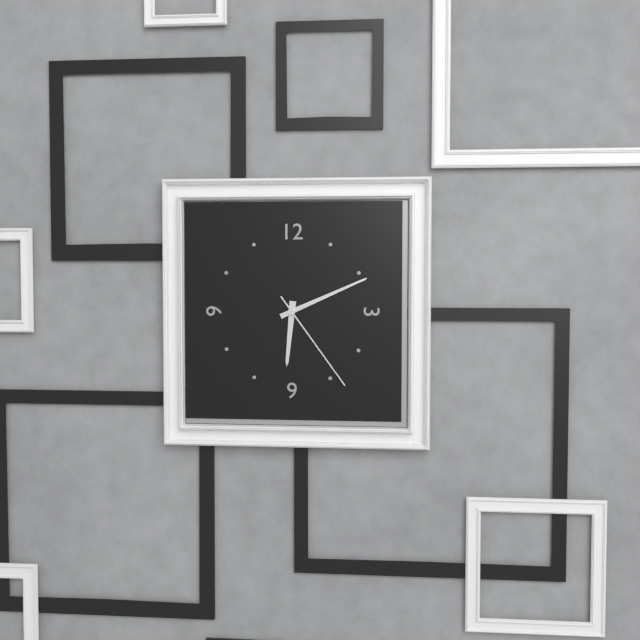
6.11.24
